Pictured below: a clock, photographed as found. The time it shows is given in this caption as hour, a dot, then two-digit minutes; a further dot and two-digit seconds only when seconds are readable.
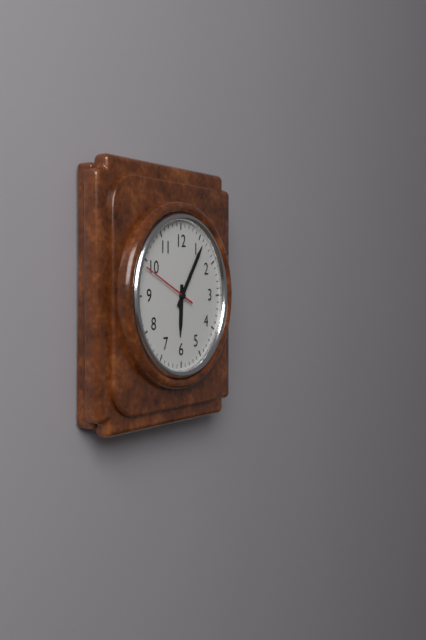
6.06.49
